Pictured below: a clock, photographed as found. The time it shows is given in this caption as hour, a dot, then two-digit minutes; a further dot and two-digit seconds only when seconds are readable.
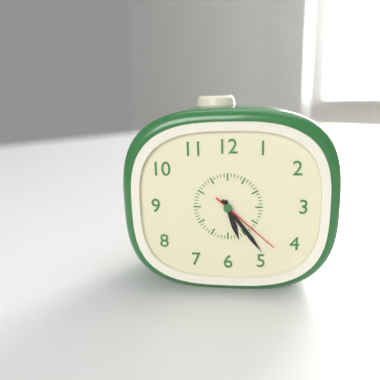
5.24.22
